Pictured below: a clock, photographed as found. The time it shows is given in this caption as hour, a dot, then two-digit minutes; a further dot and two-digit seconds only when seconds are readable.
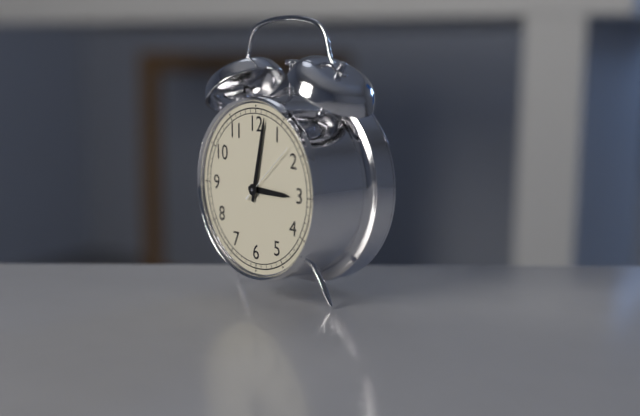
3.02.08
